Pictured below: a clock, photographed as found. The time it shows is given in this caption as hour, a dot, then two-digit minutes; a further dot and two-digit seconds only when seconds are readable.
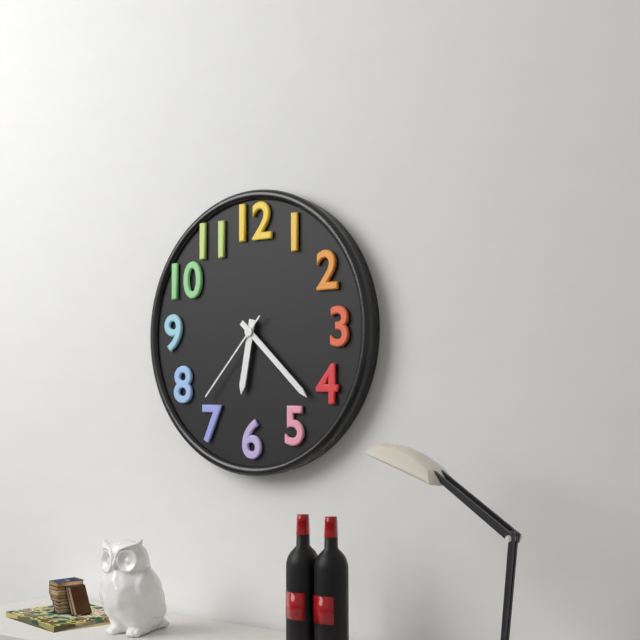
6.22.37
